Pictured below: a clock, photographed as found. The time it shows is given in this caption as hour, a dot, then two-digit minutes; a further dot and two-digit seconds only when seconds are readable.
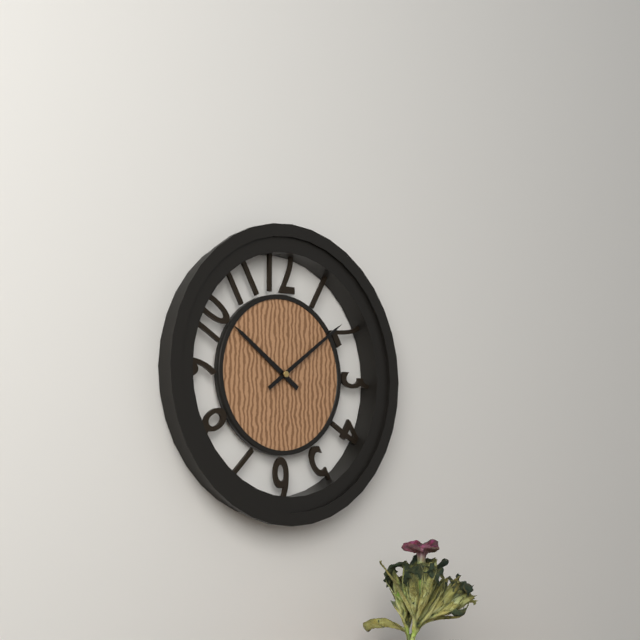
10.09
